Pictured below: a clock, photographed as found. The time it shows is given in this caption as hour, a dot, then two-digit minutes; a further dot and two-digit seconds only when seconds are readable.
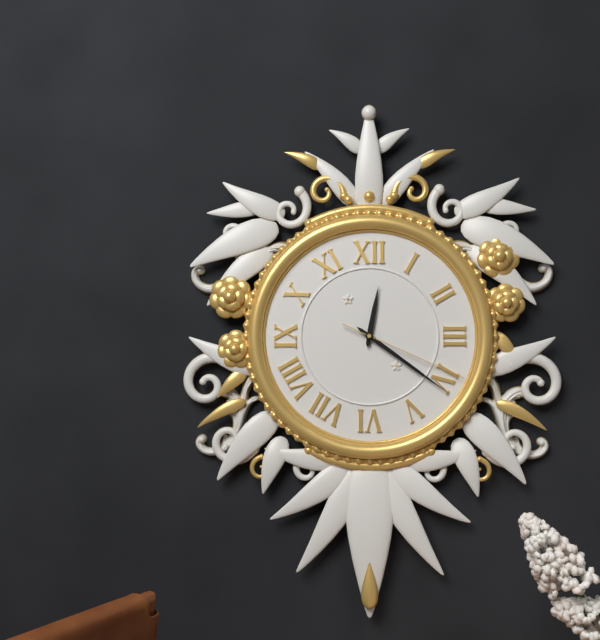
12.21.19
